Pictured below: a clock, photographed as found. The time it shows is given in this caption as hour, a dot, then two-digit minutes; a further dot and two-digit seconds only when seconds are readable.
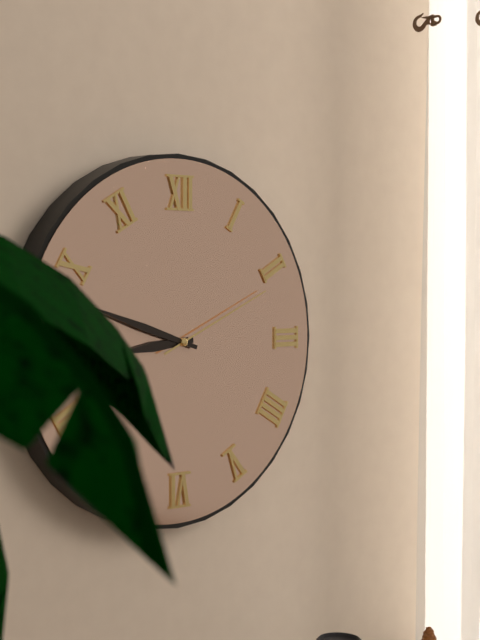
8.48.11
